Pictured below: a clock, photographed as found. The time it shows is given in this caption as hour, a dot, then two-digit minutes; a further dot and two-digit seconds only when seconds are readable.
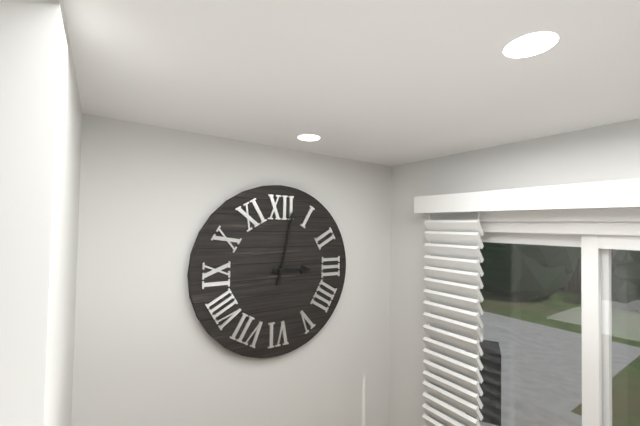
3.02
